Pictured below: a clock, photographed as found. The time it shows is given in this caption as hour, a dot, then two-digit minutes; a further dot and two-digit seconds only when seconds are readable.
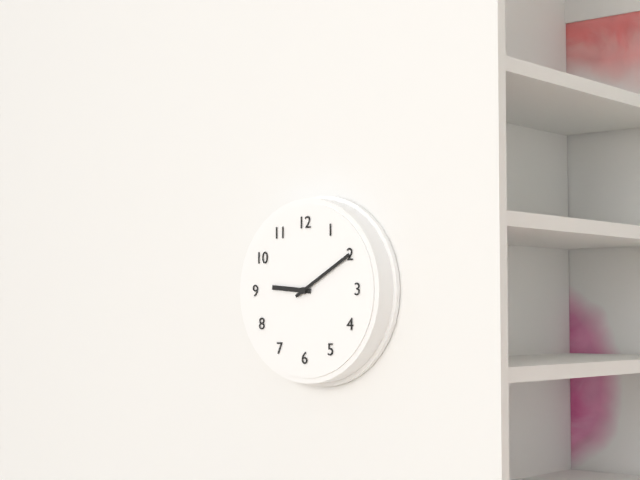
9.10
